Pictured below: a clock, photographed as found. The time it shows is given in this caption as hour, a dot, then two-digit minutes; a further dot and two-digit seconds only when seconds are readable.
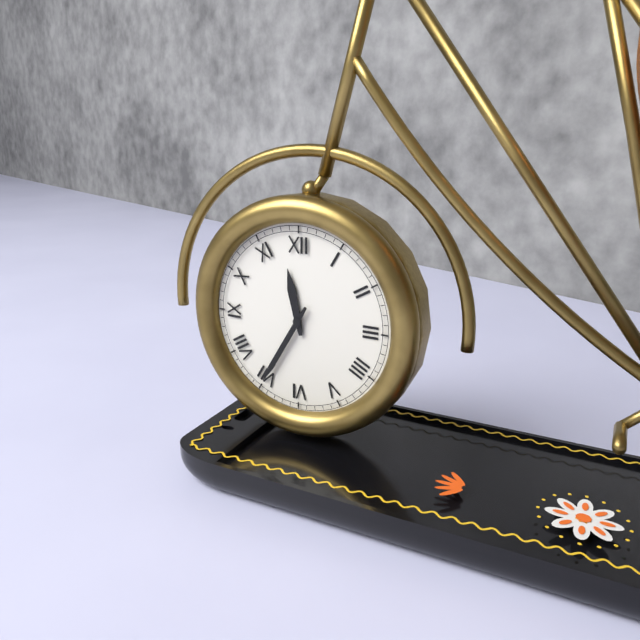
11.35
